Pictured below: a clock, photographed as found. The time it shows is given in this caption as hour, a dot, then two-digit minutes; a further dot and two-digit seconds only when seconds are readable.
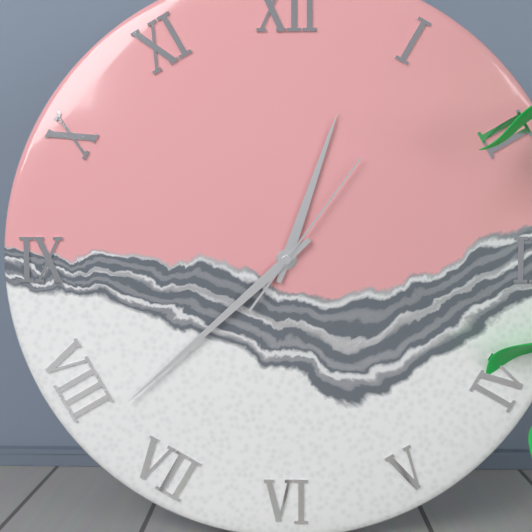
12.38.06
